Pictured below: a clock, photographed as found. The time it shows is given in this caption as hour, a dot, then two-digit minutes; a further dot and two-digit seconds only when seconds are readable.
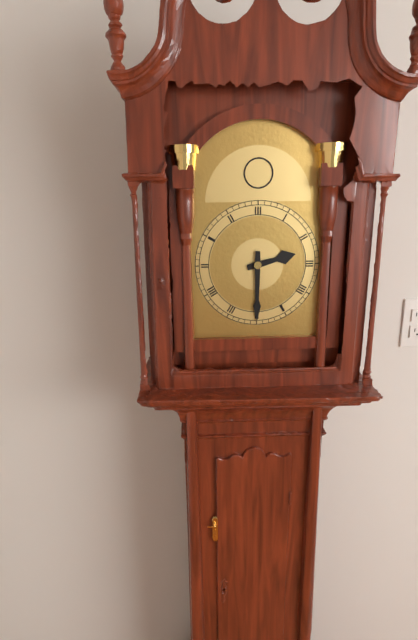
2.30
